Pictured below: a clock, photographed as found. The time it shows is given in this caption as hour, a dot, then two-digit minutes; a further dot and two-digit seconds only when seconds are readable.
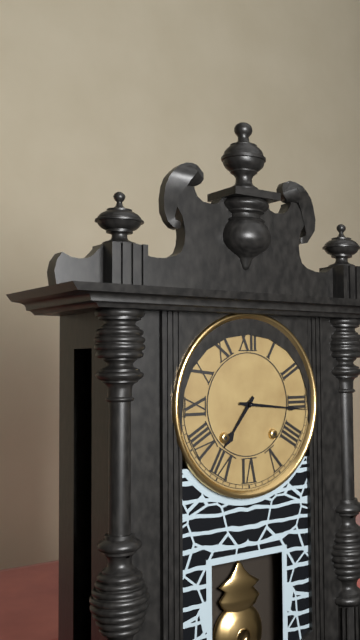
7.16
